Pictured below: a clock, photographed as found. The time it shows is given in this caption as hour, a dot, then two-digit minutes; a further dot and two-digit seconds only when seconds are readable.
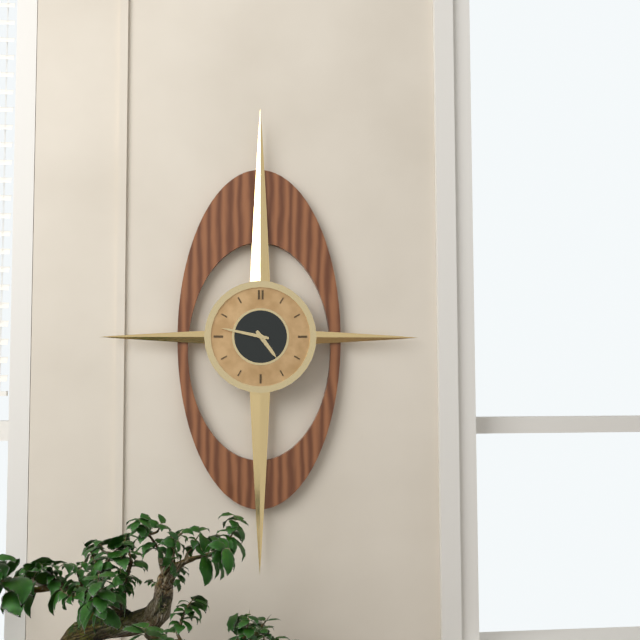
4.47
